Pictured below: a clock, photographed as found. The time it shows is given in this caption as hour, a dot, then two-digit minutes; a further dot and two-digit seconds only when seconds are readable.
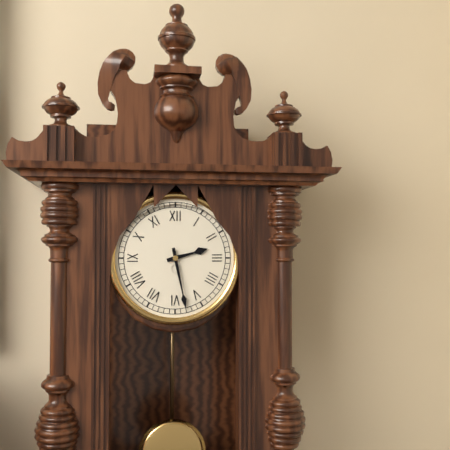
2.28
